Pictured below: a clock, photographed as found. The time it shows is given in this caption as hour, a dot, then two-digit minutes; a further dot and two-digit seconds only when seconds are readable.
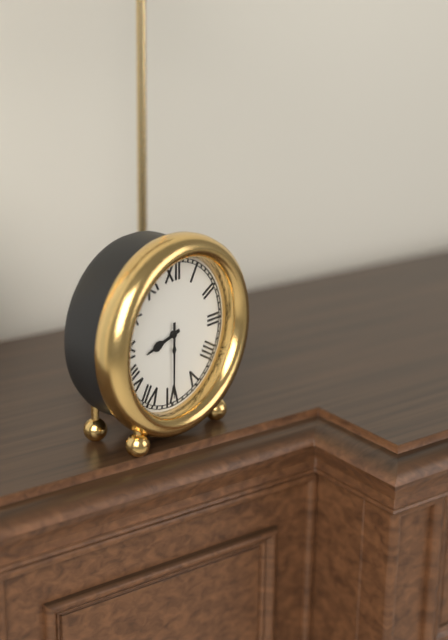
8.30
